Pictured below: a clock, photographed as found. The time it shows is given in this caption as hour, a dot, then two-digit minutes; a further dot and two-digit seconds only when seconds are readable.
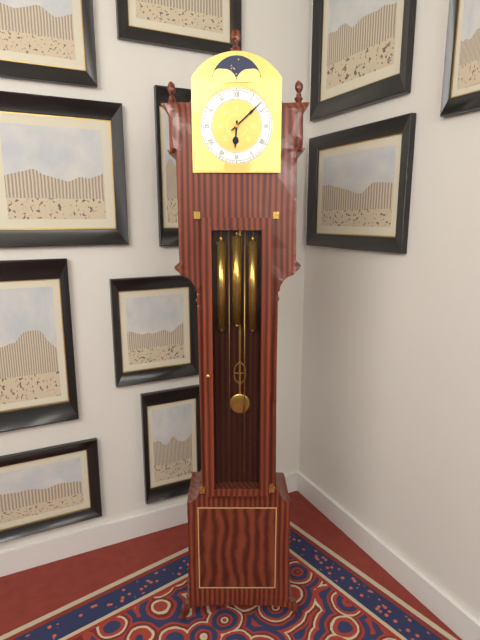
6.08
